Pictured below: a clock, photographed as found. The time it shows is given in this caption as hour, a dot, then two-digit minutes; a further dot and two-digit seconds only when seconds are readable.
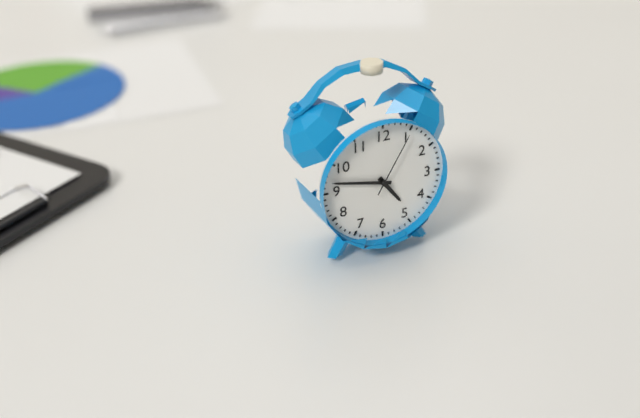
4.47.05
